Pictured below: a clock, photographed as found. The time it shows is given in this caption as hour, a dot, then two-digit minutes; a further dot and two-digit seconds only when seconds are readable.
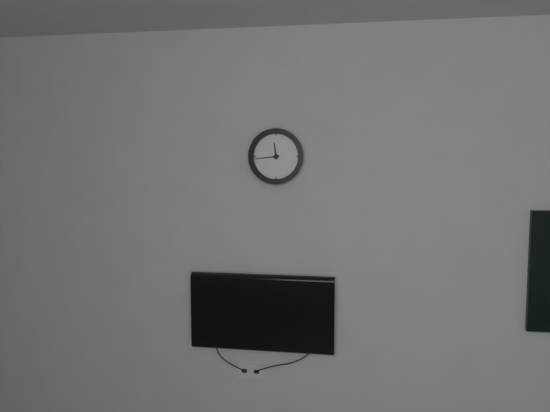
11.44
